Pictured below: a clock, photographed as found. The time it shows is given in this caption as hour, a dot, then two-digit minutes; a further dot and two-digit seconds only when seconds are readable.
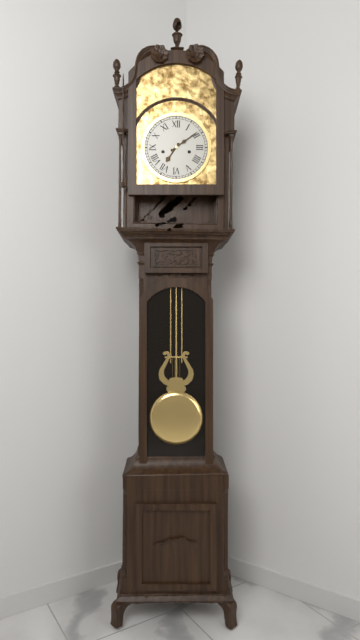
7.09
